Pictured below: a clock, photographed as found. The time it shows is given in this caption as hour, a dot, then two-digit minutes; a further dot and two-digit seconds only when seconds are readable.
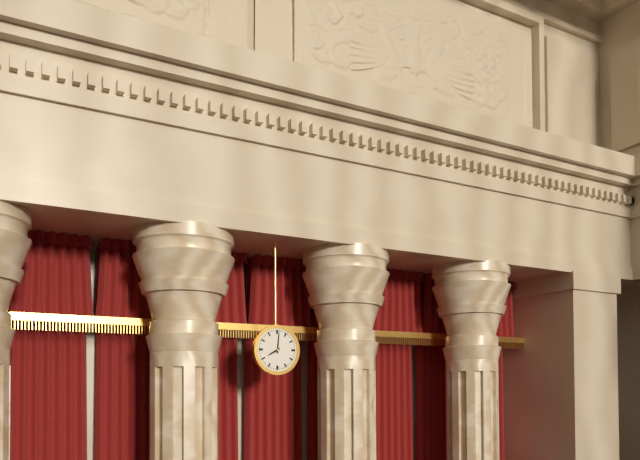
8.01
